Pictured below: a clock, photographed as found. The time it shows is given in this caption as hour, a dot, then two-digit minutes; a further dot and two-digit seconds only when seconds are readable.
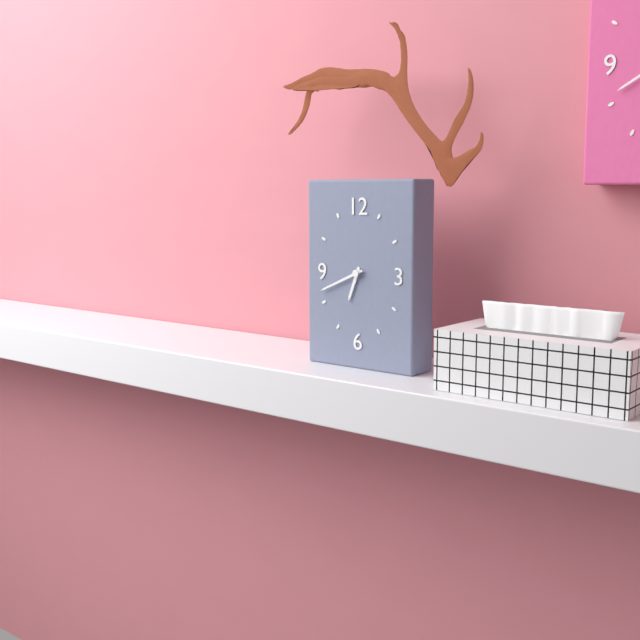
6.41
